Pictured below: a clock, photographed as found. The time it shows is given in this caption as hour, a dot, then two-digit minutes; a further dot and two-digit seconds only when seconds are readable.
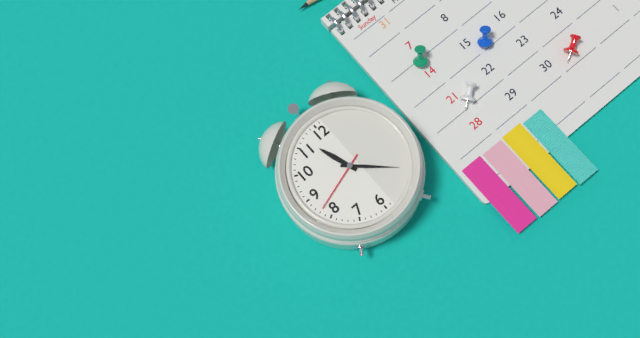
11.22.42
